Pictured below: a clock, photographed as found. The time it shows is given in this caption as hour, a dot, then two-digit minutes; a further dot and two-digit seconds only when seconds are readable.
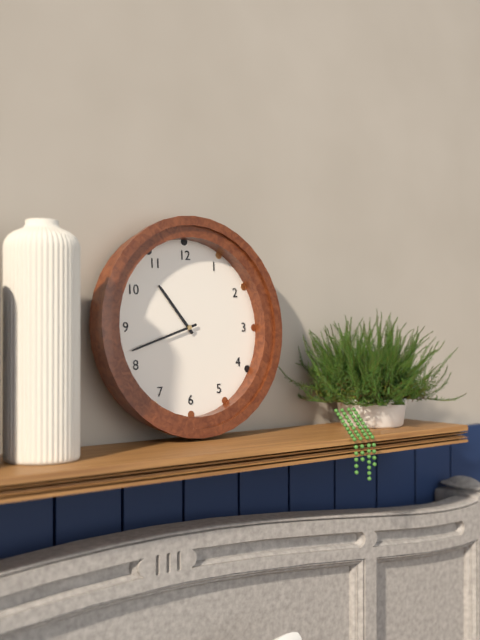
10.42
